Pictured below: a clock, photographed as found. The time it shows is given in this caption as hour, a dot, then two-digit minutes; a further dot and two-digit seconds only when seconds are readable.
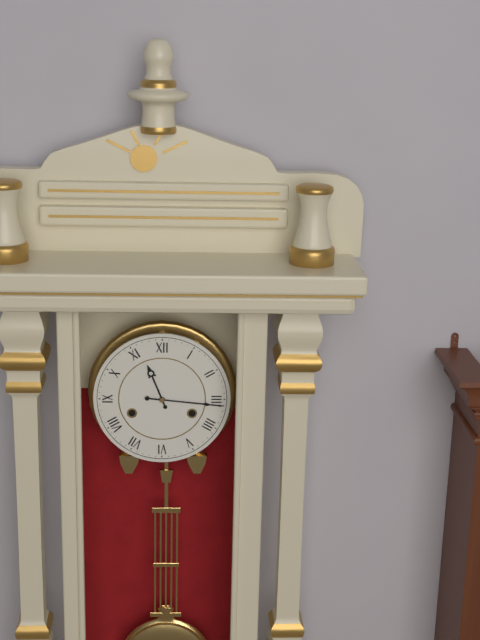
11.16
